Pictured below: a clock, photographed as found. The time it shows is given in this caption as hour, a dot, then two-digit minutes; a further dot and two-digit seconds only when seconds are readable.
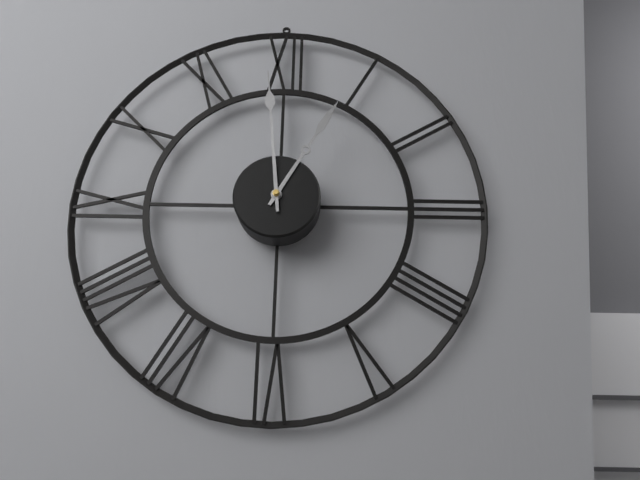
12.59
